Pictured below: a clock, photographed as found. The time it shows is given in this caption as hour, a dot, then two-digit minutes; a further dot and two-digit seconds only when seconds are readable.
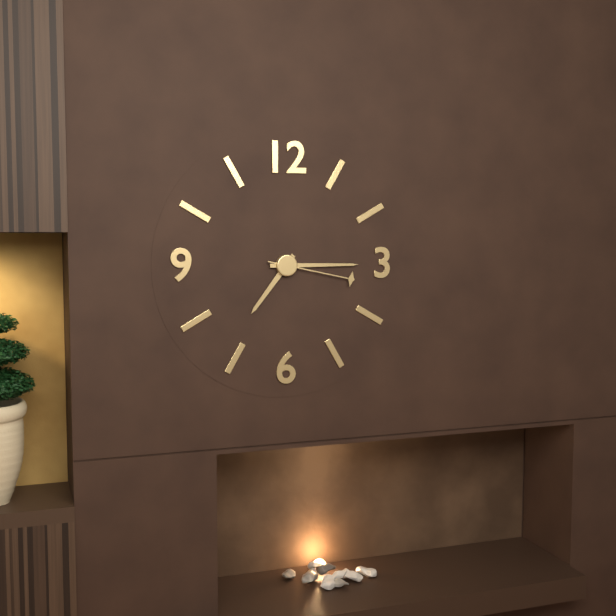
7.15.17
